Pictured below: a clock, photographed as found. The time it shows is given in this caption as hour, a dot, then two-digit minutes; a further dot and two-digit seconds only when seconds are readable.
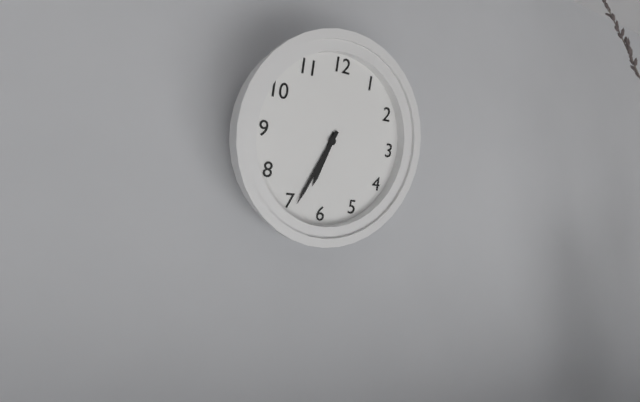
6.34
